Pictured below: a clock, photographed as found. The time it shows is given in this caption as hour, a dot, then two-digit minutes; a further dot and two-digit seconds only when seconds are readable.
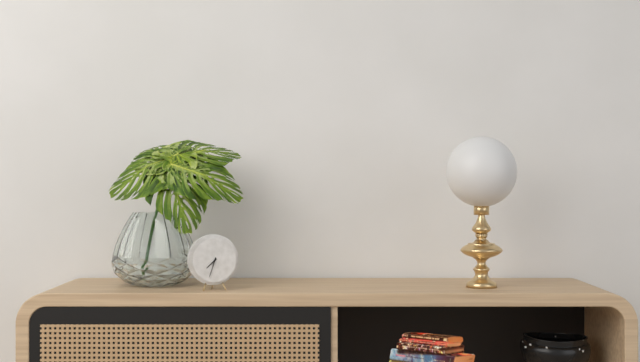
7.33
